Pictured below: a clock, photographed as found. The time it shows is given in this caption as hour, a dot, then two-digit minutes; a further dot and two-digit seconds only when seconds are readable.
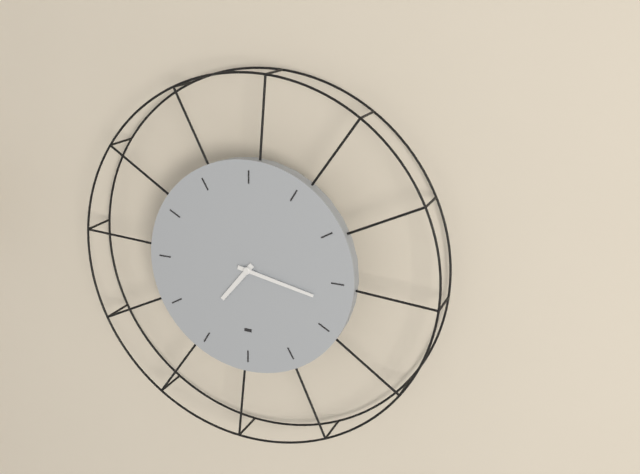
7.17
